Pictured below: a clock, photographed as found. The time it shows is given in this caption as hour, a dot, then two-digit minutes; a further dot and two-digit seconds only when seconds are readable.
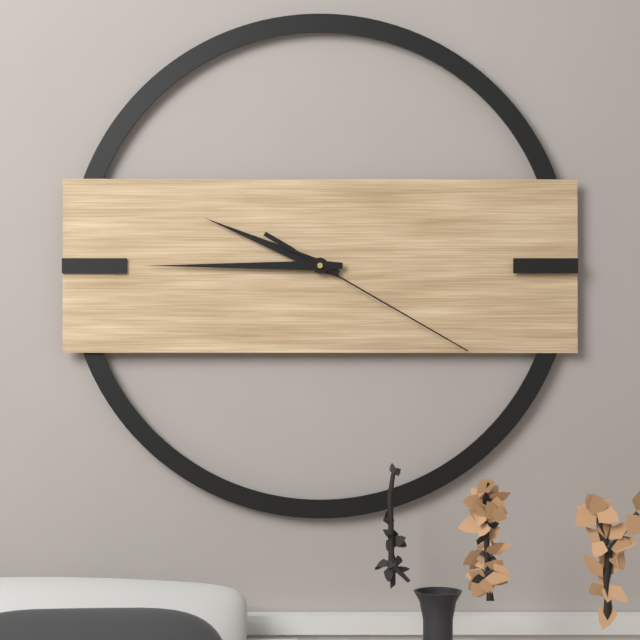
9.45.20
